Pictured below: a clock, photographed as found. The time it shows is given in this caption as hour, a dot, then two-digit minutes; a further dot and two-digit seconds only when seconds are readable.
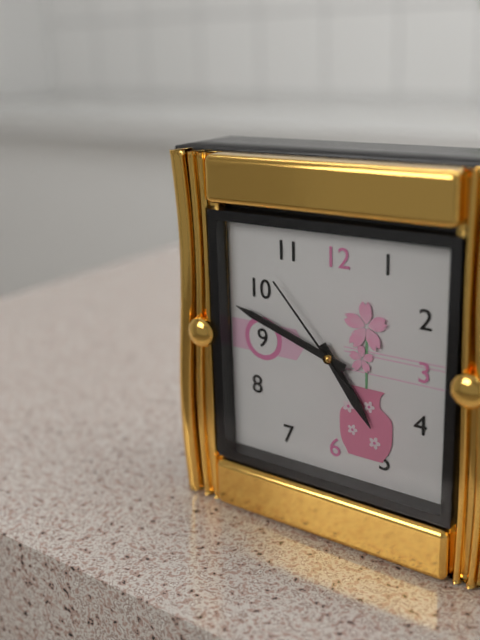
4.48.53
